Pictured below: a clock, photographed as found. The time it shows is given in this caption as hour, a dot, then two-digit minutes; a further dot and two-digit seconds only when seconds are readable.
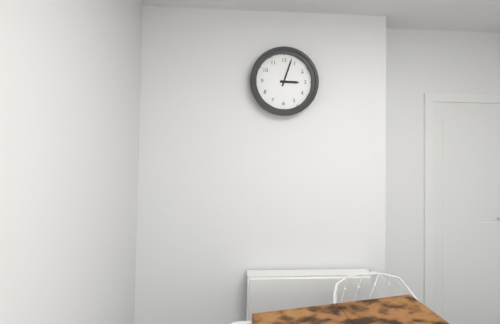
3.03
